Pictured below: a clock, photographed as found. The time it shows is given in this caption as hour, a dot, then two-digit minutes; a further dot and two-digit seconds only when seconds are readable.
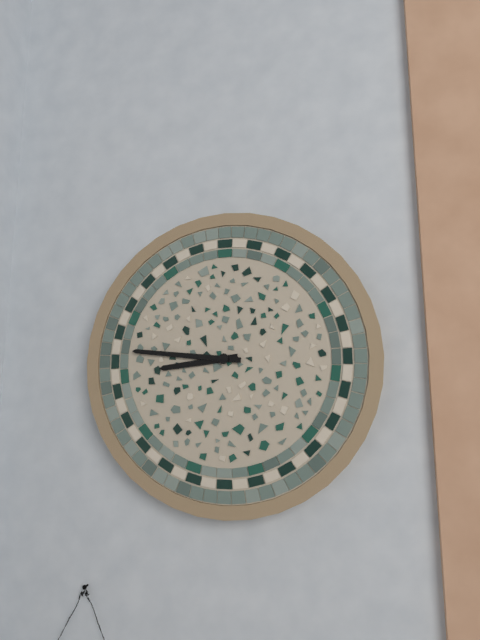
8.46
